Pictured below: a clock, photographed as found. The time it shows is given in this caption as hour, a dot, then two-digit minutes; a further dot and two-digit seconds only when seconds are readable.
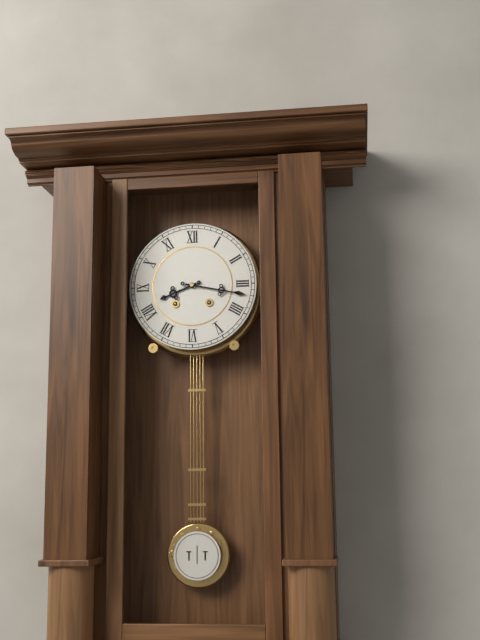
8.17
